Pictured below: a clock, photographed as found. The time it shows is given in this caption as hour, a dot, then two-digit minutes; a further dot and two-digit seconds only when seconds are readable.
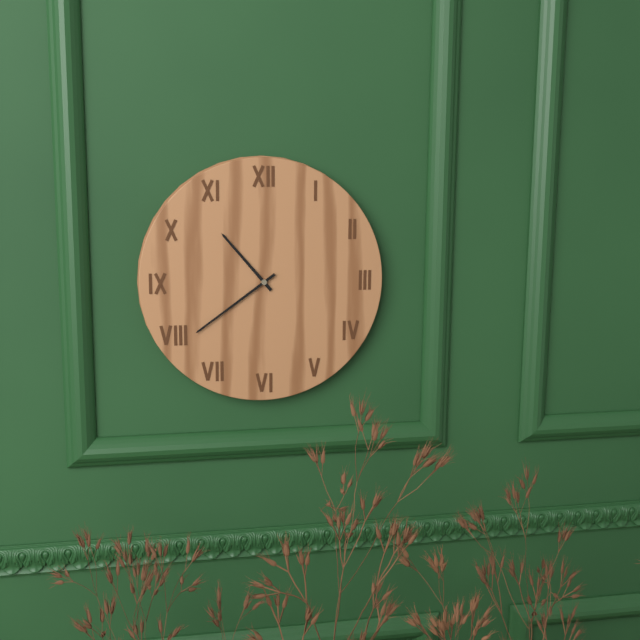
10.39
